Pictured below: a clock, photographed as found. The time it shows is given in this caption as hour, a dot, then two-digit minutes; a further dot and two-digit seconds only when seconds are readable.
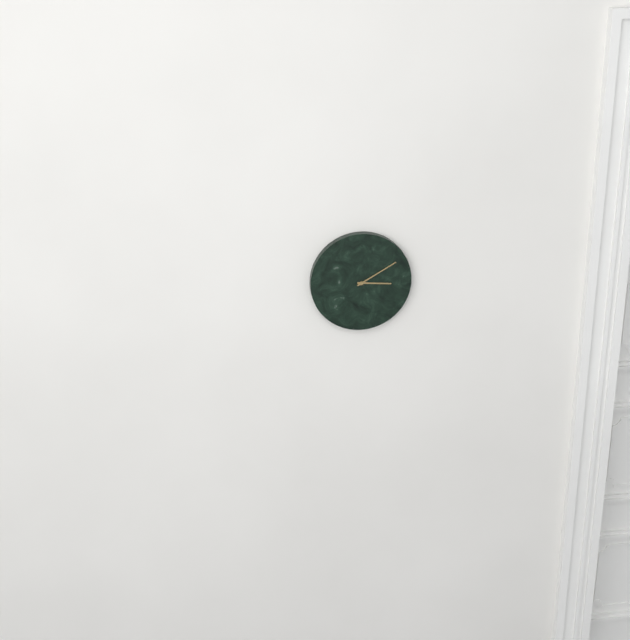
3.10
